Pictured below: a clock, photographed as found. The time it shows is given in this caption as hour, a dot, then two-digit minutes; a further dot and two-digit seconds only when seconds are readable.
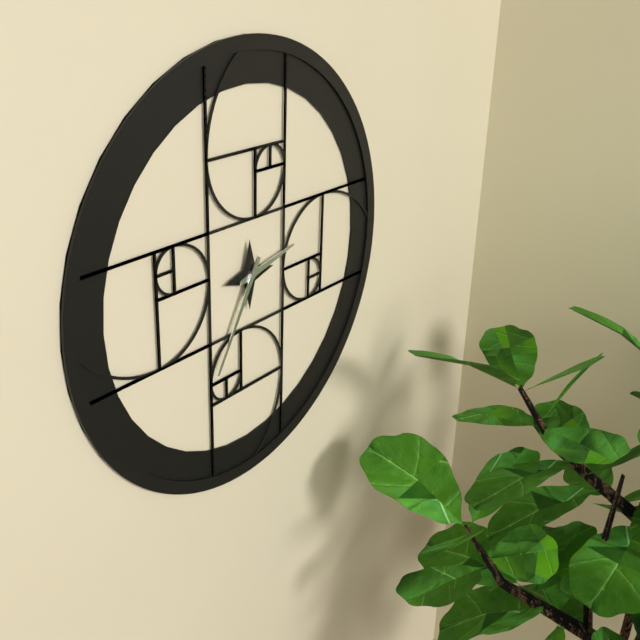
2.35
